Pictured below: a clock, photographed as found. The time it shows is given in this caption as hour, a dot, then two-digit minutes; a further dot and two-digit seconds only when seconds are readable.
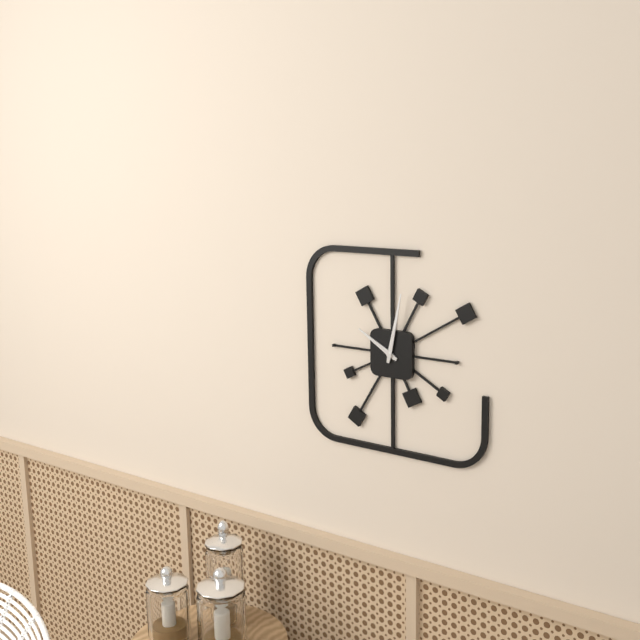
10.02
